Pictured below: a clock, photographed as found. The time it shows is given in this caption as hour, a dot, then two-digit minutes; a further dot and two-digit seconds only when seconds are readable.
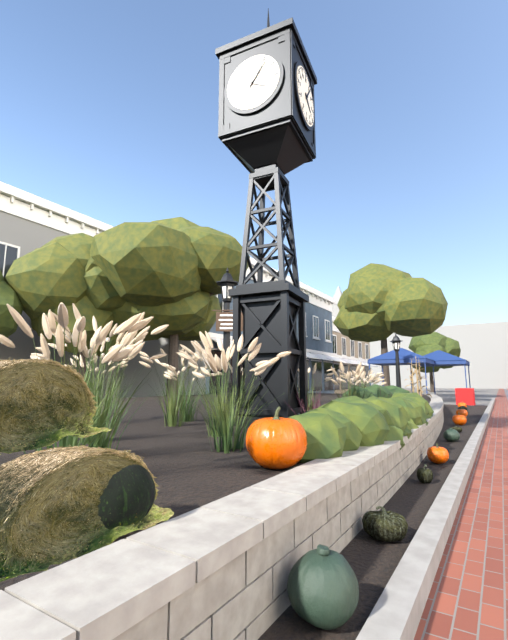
4.06
